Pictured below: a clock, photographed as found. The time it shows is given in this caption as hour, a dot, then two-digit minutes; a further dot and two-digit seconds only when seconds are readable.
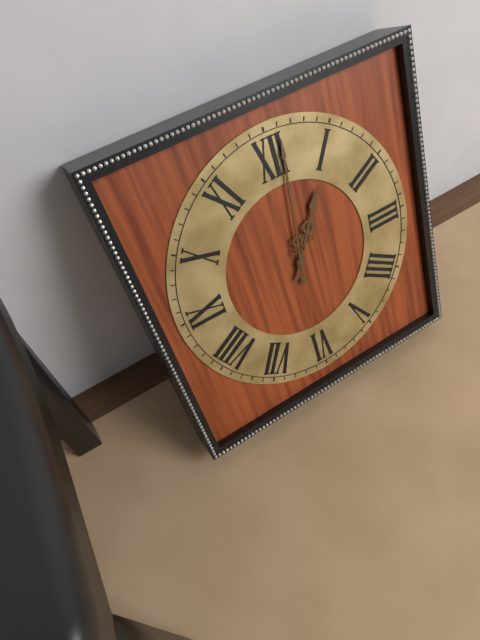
1.01
